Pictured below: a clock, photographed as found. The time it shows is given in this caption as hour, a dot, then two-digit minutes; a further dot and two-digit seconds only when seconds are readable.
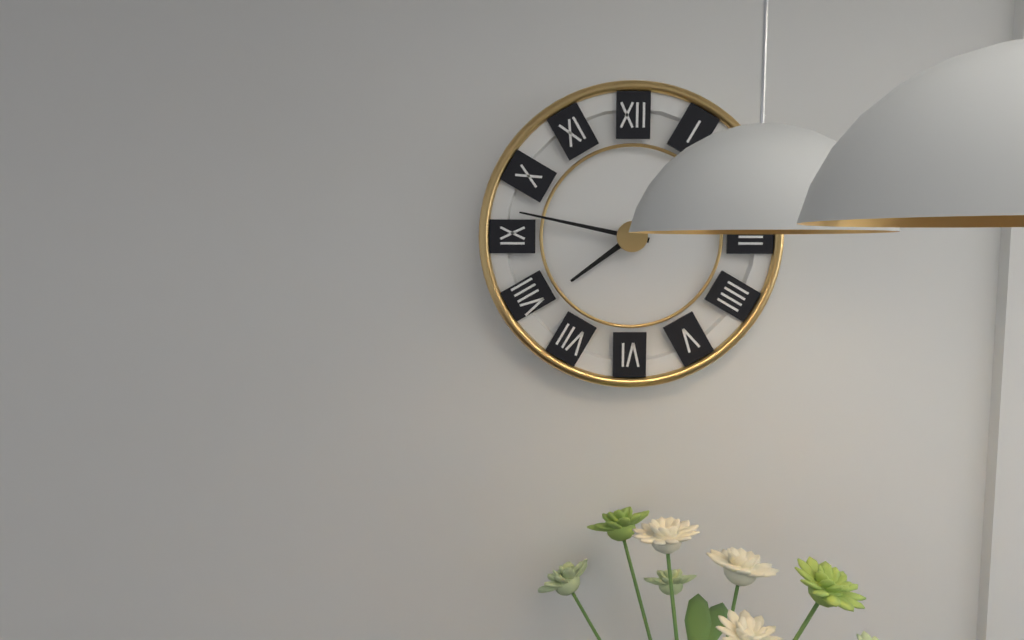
7.47
